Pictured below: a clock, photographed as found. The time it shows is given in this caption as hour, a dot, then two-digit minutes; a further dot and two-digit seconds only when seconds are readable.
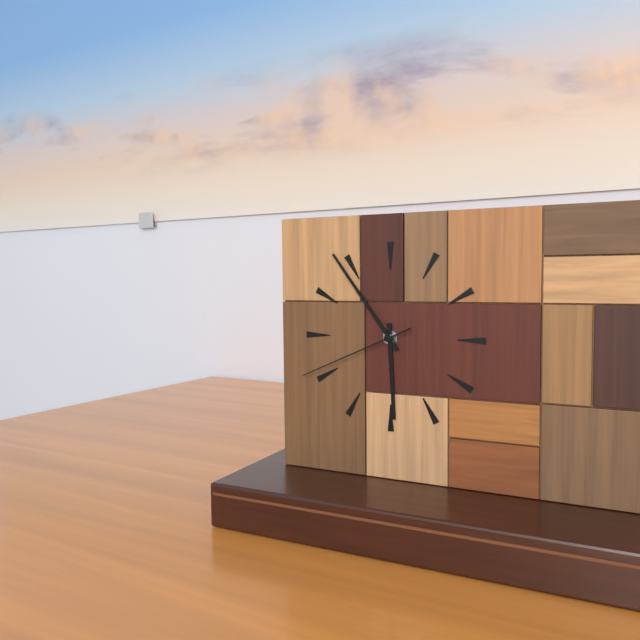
5.54.41
